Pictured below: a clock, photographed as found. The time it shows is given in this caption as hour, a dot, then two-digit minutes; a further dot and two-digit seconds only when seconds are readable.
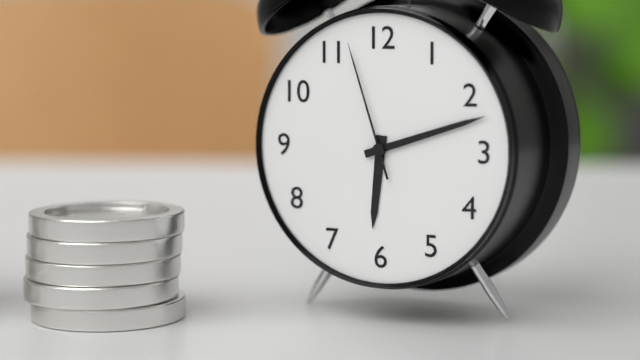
6.12.57
